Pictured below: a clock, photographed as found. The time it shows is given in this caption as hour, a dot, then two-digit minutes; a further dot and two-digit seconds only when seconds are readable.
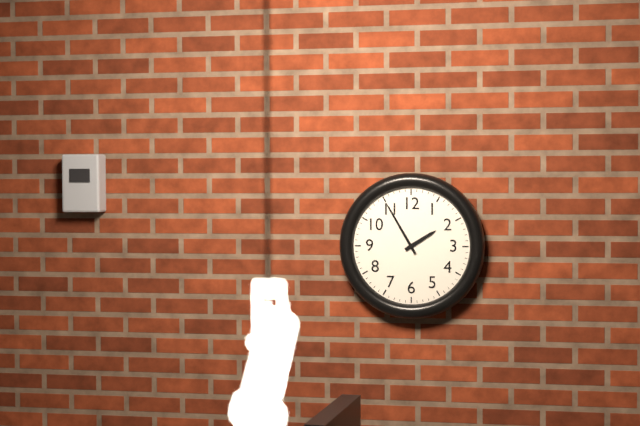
1.55
